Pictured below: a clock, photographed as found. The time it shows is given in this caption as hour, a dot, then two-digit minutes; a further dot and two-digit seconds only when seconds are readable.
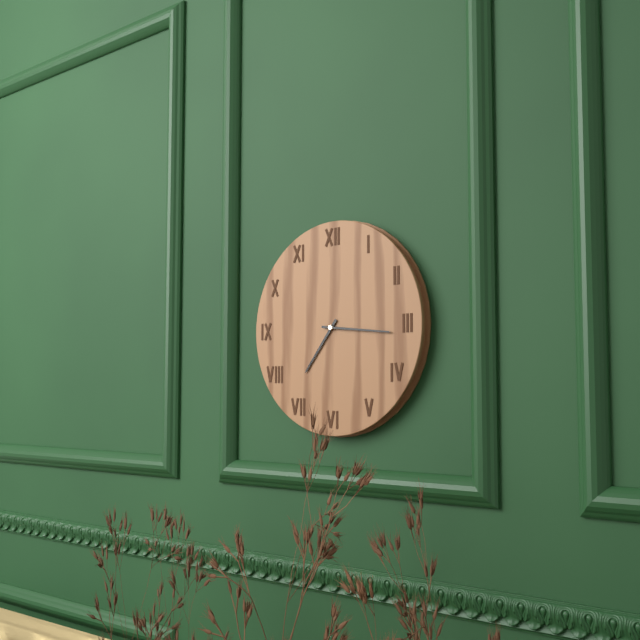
7.16
